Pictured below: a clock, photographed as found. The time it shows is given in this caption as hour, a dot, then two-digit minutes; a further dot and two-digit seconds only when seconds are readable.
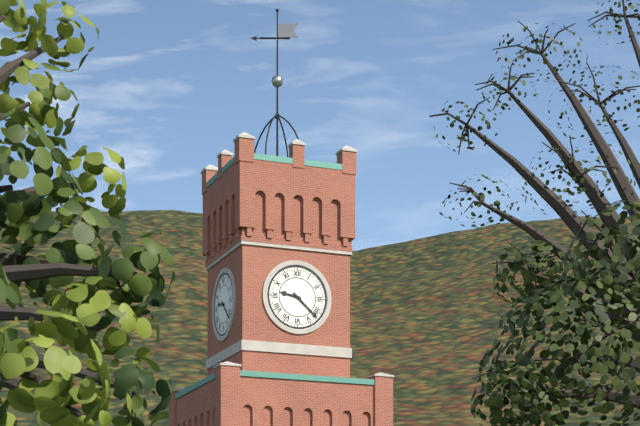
9.22
